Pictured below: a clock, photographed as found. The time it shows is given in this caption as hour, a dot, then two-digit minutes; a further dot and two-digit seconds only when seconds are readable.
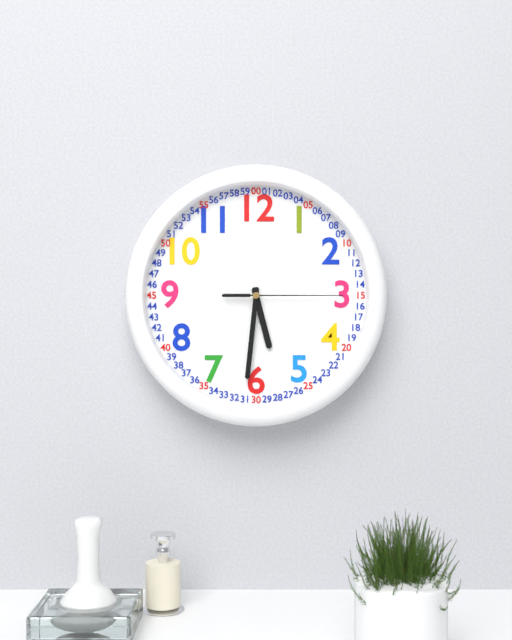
5.31.15
